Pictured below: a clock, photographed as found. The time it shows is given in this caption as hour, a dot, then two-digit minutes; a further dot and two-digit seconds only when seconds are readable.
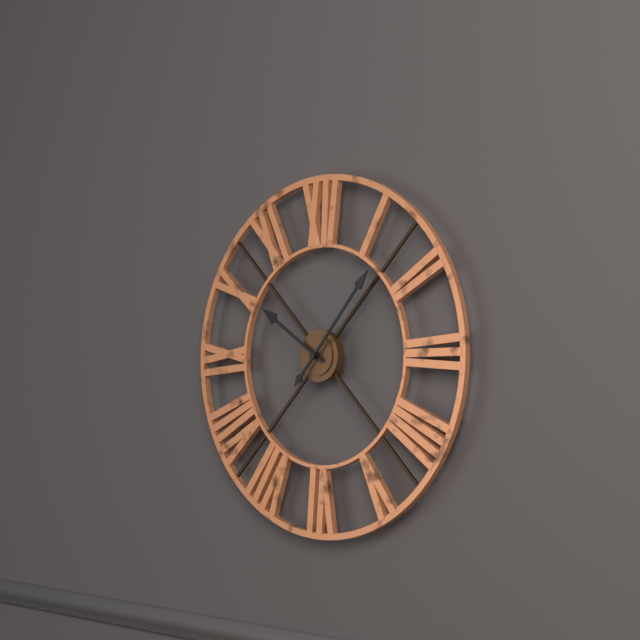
10.07
